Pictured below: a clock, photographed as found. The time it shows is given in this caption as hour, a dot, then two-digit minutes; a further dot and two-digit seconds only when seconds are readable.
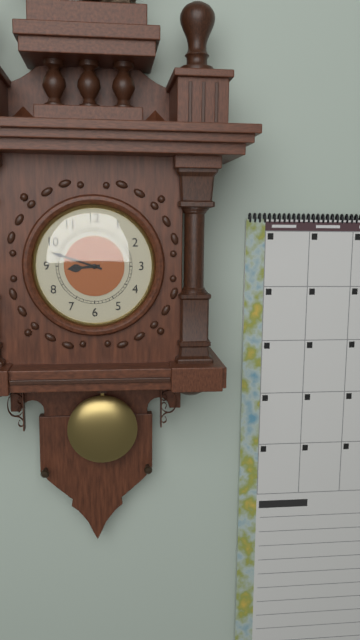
8.48
